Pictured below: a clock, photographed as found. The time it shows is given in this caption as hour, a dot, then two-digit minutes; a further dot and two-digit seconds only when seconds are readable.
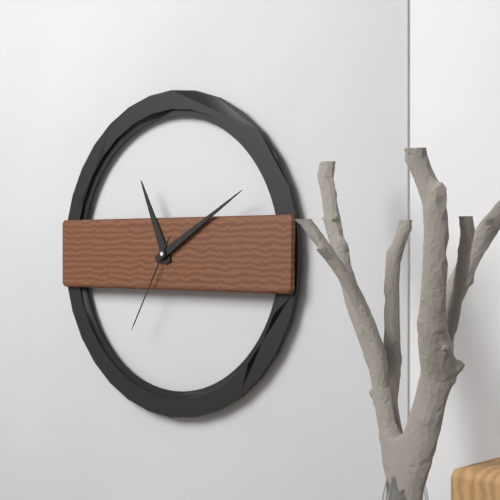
11.10.35
